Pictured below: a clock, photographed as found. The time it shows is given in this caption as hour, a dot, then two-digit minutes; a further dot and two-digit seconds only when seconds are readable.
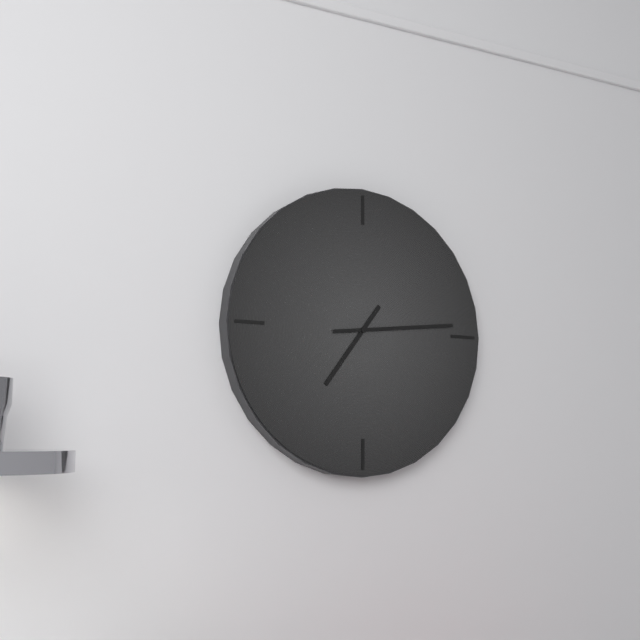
7.14
